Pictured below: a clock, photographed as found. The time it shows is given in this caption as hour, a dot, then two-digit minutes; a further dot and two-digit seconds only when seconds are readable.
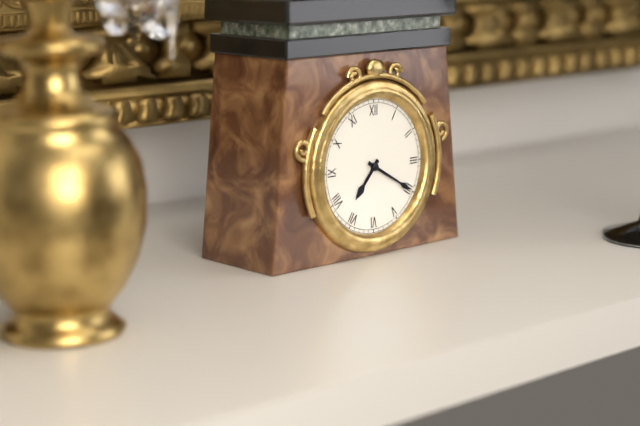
7.20
